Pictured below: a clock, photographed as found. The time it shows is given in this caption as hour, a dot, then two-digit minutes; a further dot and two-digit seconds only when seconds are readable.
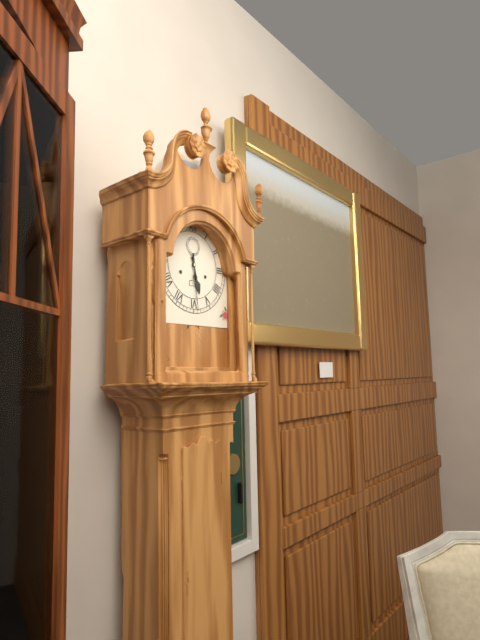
5.29
